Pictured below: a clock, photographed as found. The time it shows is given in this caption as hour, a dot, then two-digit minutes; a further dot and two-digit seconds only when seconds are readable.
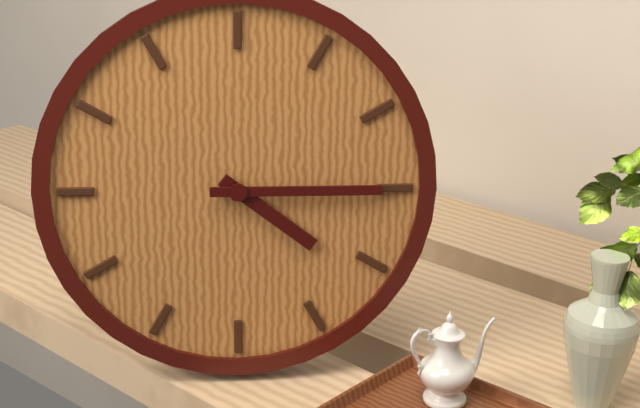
4.15
